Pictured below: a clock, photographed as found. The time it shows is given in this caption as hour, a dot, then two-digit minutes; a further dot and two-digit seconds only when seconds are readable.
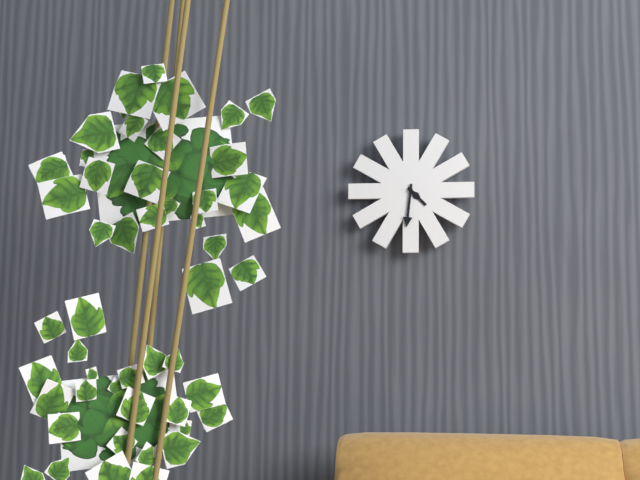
4.31
